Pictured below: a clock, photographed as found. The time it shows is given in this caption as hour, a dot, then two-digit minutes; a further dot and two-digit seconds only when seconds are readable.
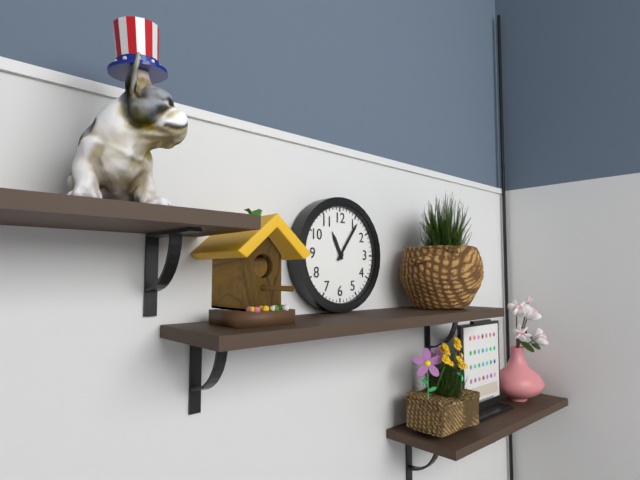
11.06
